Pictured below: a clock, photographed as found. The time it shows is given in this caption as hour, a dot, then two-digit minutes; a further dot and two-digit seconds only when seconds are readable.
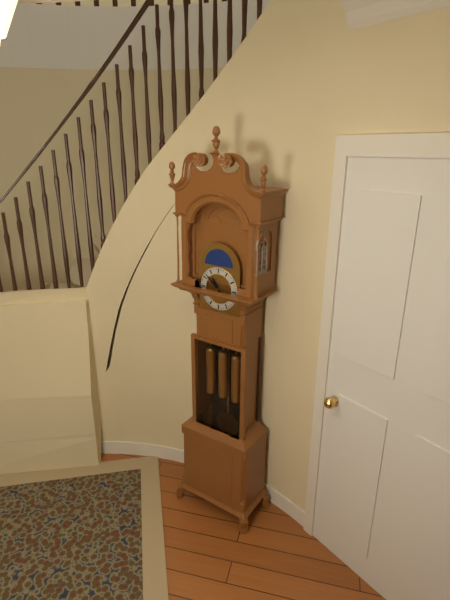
10.52
